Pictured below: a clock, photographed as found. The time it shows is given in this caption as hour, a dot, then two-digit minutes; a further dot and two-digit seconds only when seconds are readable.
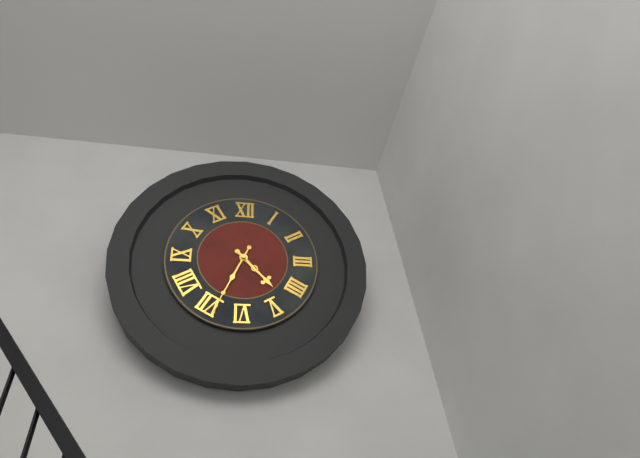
4.34
